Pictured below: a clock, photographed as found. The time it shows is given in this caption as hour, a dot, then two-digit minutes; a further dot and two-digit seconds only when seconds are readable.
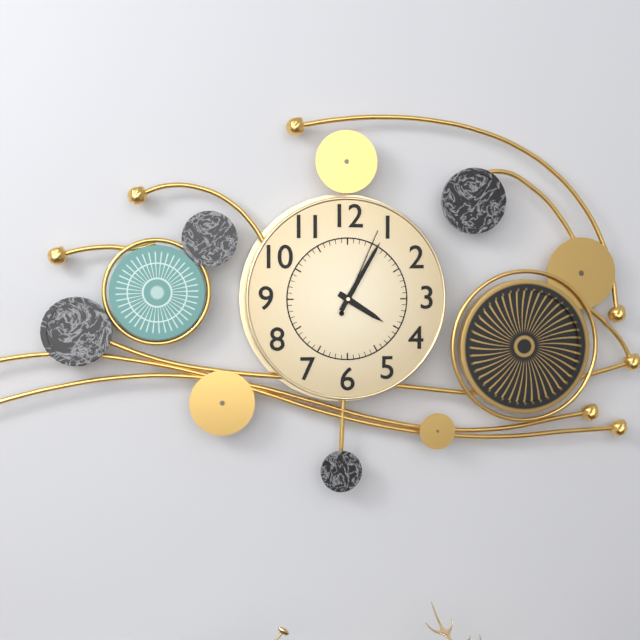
4.05.04
